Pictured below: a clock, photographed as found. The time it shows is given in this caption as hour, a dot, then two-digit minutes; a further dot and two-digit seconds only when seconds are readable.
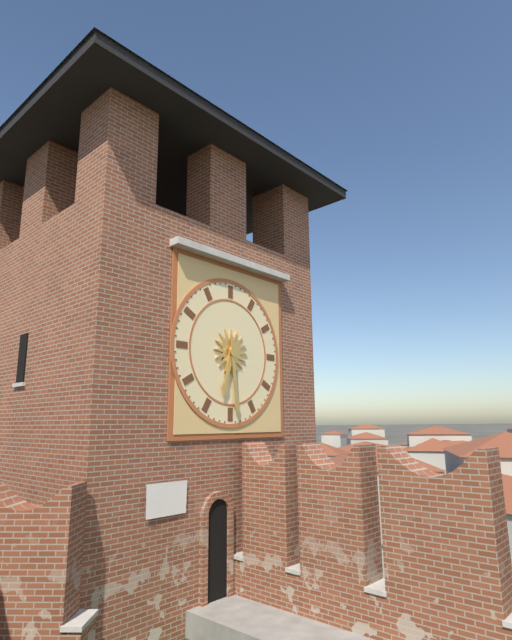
6.29
